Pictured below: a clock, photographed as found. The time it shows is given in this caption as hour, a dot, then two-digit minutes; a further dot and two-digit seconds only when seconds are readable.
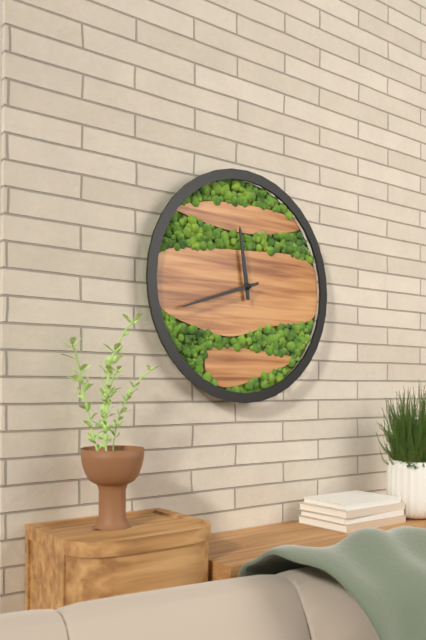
11.42
